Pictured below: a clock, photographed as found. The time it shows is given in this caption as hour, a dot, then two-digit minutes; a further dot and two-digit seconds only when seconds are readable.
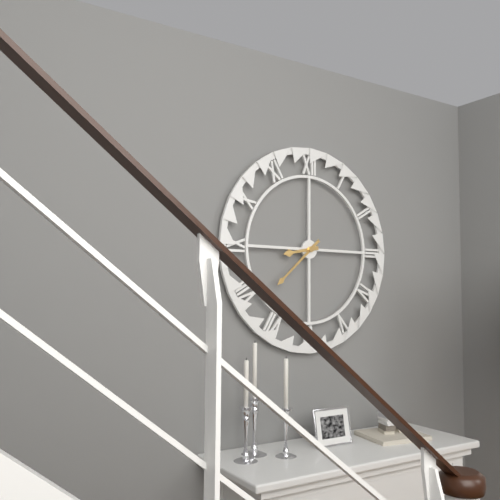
8.38
